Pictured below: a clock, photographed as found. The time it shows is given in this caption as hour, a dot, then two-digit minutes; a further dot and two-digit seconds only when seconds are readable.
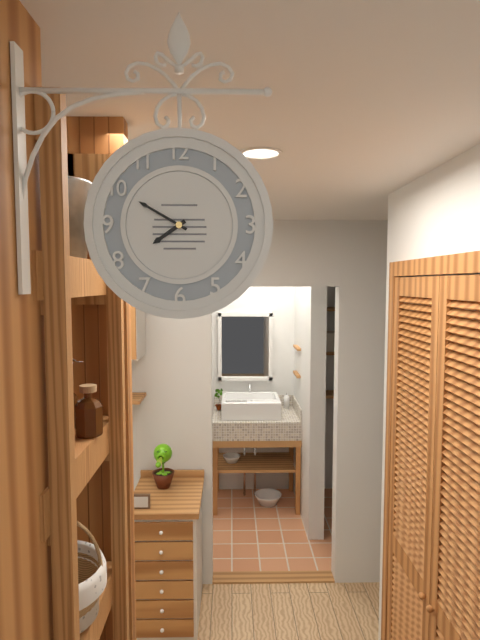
7.50
